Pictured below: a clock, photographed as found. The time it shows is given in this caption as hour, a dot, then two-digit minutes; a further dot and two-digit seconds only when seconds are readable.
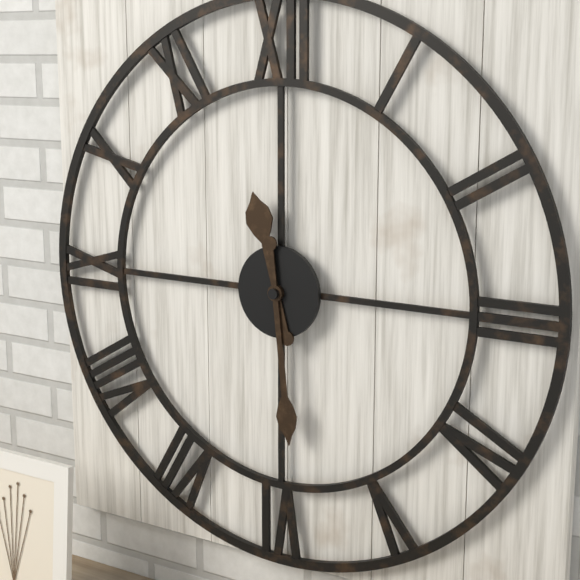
11.29
